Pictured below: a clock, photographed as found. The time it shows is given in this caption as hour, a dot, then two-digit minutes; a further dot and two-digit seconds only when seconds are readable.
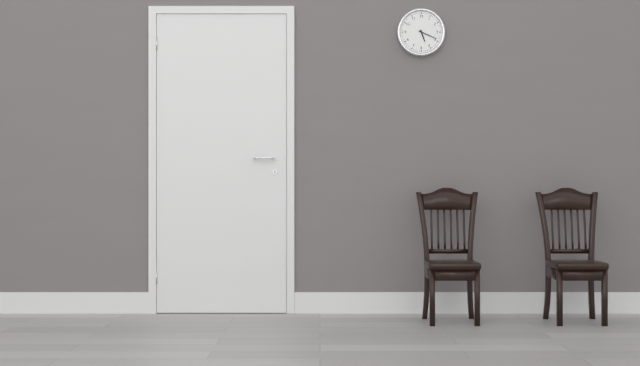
5.19
